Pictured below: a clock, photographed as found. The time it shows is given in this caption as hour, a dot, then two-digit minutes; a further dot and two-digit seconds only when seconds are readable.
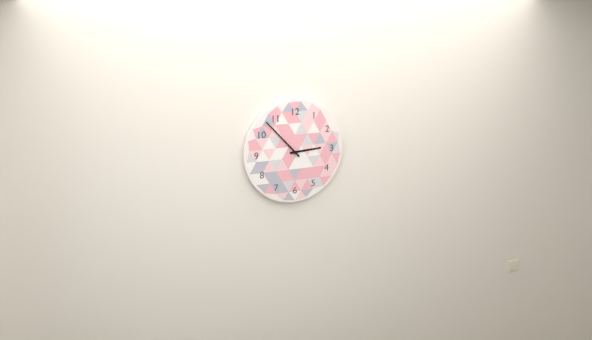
2.53
